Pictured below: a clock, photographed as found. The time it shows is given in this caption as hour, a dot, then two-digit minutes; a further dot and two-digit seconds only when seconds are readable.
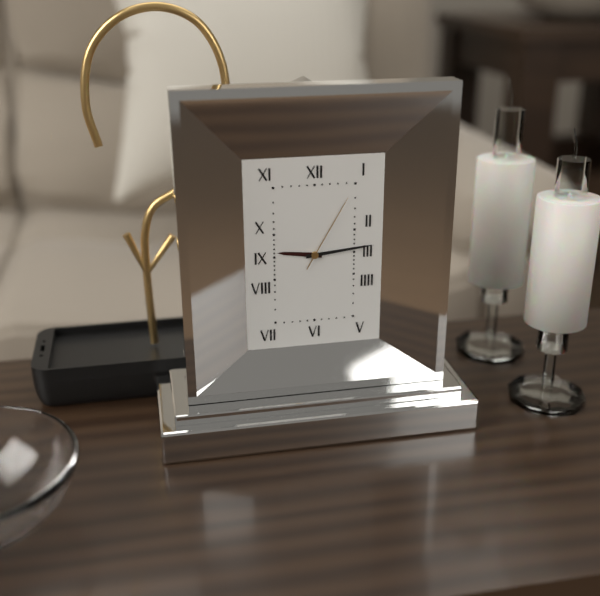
9.14.05
